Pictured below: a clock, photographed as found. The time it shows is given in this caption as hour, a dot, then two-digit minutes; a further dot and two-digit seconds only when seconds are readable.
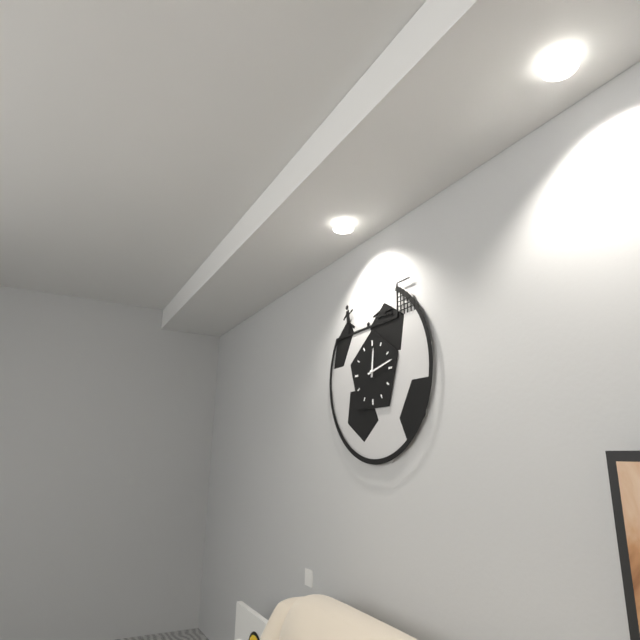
12.13
